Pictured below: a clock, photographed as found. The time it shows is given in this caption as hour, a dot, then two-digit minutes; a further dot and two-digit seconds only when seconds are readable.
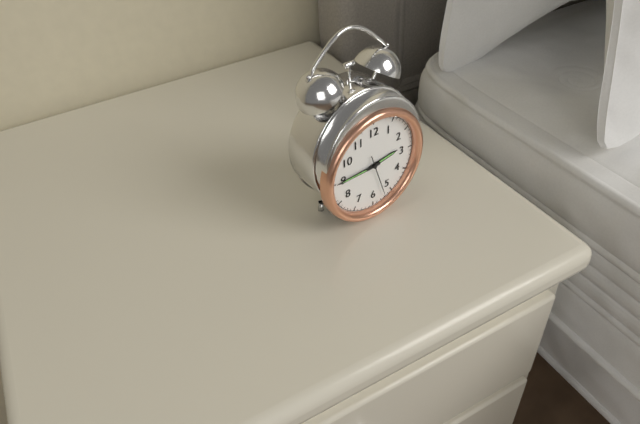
2.45
